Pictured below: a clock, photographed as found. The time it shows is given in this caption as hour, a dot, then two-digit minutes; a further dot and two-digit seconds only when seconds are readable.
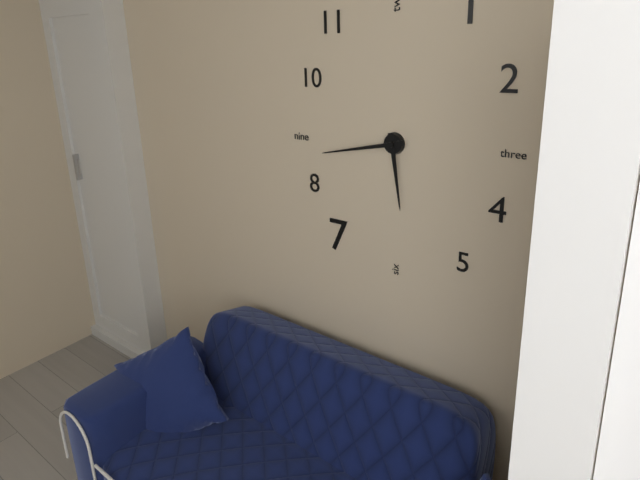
5.43
